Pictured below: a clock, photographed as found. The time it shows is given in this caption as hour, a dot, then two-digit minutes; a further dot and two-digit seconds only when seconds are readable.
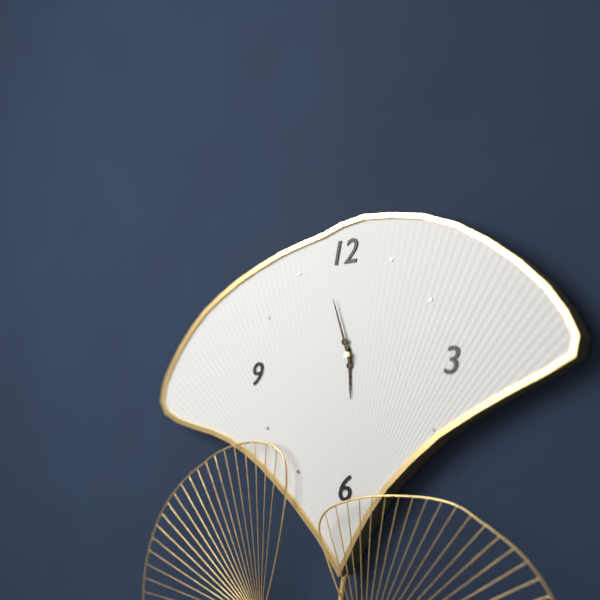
5.57
